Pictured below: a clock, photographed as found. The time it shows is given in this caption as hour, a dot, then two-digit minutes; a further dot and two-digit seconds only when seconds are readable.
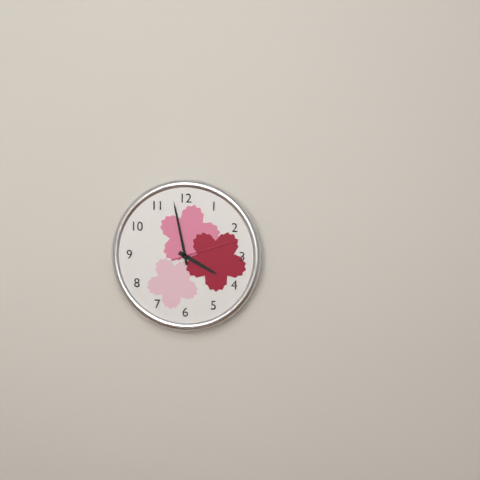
3.58.12
